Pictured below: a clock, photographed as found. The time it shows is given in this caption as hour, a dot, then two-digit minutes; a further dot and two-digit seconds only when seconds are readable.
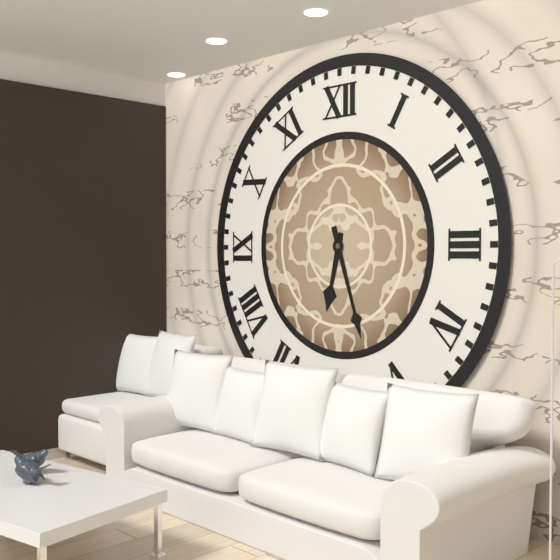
6.27
